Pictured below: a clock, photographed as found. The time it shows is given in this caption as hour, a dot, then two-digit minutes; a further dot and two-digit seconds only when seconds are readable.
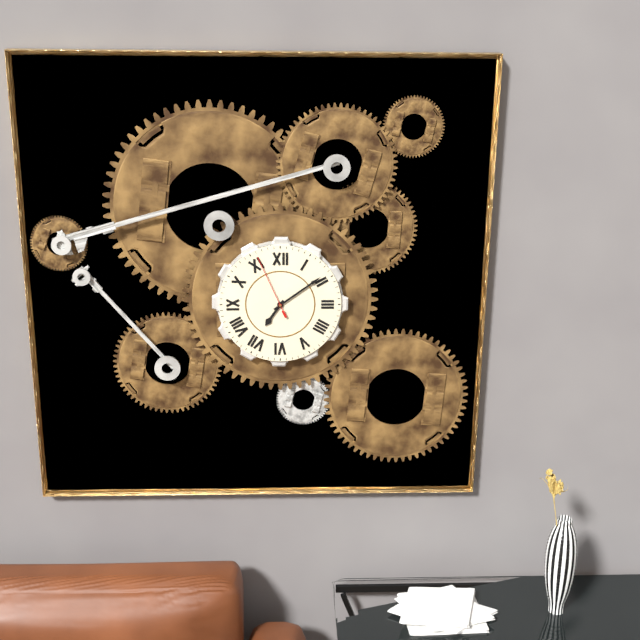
7.09.56
